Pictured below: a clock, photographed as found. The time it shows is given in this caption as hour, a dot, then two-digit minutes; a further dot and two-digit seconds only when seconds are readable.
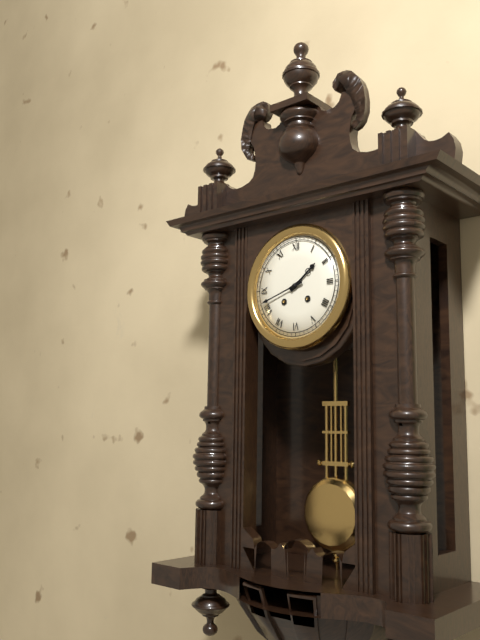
1.42
